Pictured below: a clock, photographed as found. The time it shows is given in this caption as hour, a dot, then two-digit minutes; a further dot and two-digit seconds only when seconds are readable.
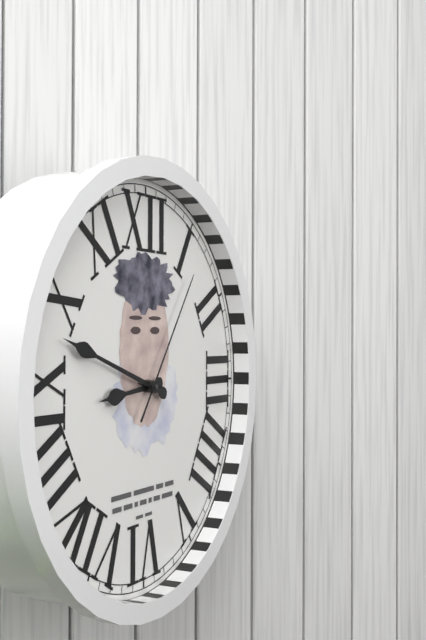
8.48.06
